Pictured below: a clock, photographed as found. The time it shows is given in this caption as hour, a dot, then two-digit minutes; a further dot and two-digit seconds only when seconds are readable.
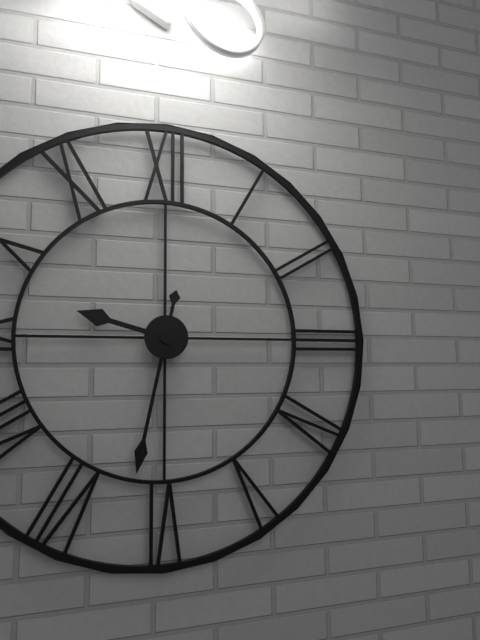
9.32
